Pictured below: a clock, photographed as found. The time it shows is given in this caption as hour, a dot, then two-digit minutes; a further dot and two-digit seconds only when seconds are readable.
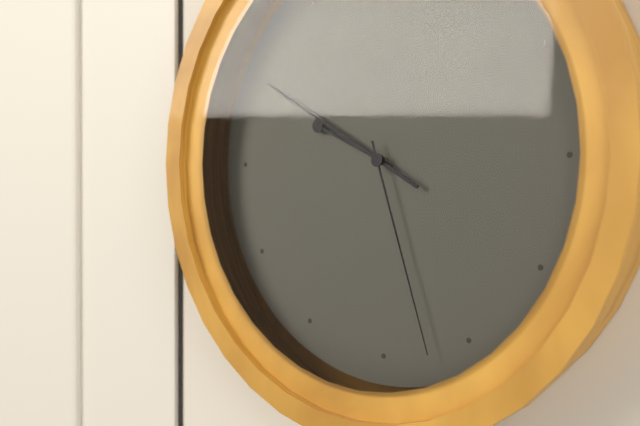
9.50.27
